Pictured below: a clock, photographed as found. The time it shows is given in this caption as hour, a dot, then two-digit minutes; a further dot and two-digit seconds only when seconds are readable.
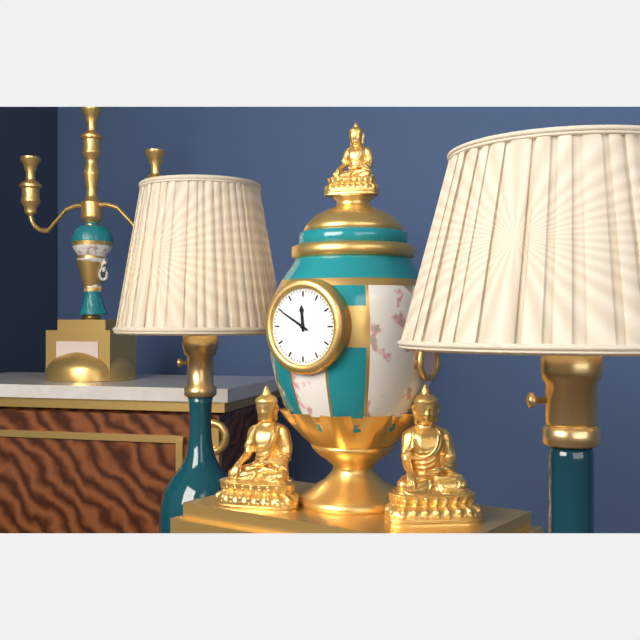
11.50
